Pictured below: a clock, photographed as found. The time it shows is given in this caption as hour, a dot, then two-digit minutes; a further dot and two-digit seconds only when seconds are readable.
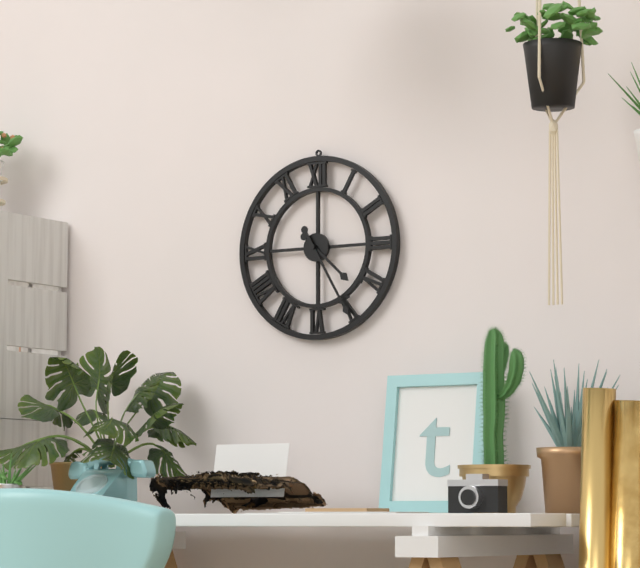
4.25
